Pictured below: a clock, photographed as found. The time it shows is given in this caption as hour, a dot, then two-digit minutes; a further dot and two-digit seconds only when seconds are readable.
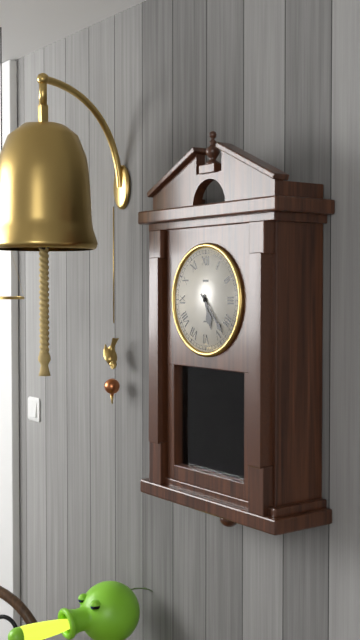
5.23
